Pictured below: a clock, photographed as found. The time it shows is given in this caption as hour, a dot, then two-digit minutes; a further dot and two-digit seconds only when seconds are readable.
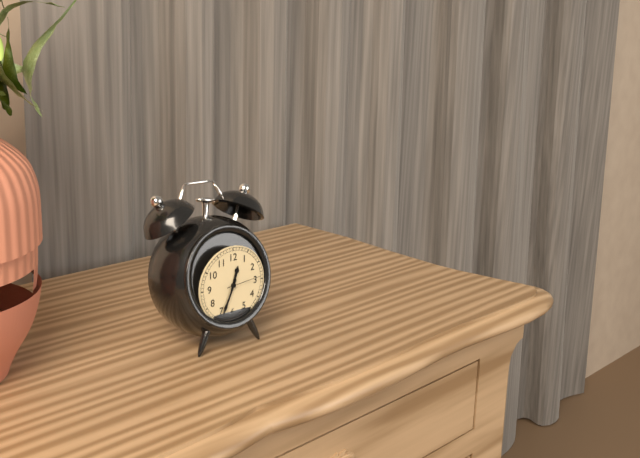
12.34
